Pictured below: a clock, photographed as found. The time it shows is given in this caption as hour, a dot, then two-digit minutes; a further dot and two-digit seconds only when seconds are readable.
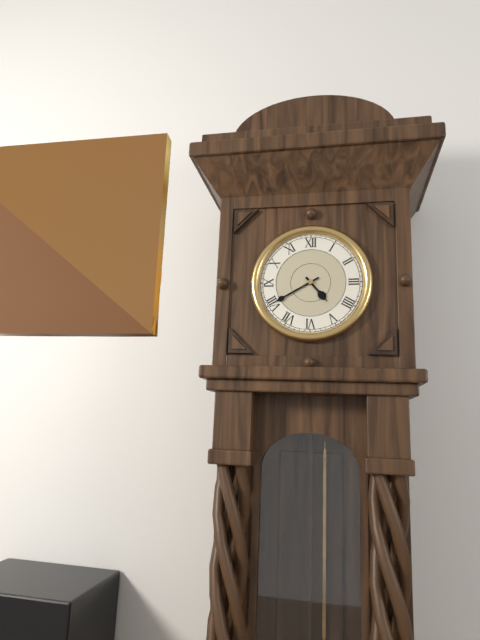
4.40
